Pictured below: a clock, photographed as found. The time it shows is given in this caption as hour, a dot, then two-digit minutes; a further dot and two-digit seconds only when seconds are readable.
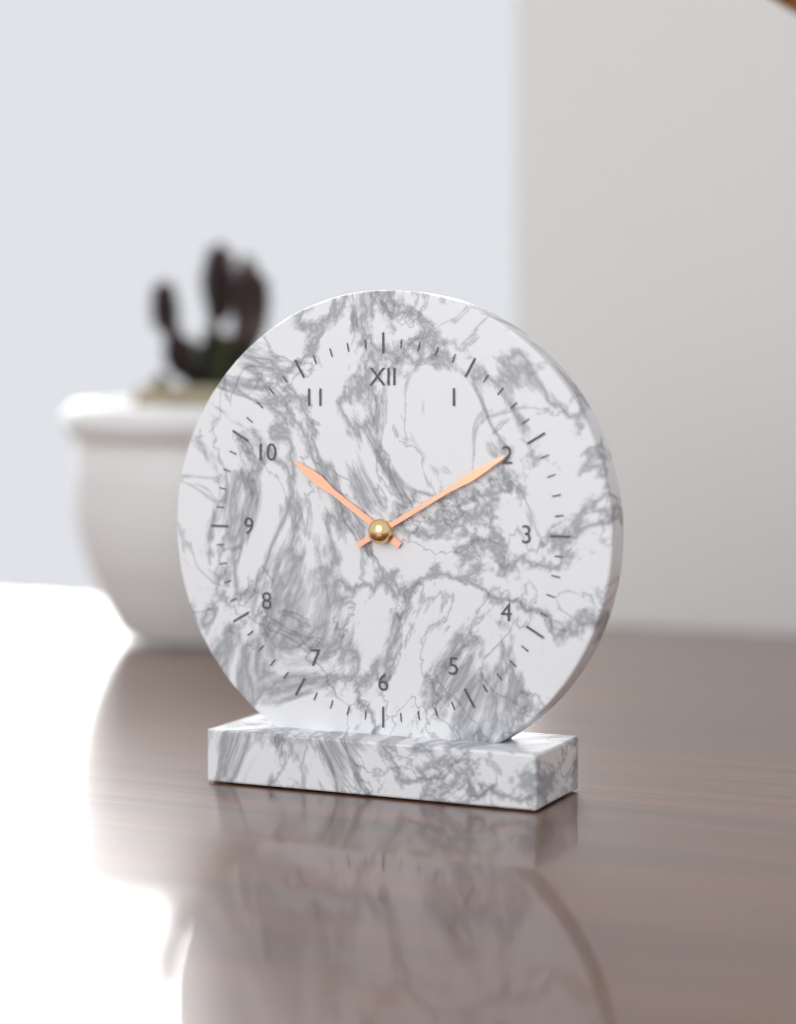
10.10
